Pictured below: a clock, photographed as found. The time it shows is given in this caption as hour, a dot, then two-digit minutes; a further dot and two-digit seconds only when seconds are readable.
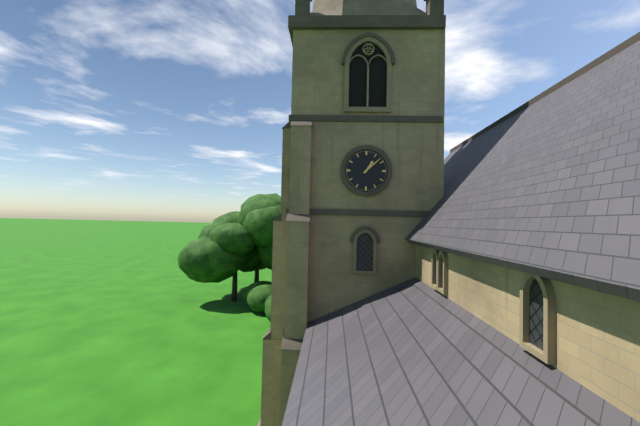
1.08
